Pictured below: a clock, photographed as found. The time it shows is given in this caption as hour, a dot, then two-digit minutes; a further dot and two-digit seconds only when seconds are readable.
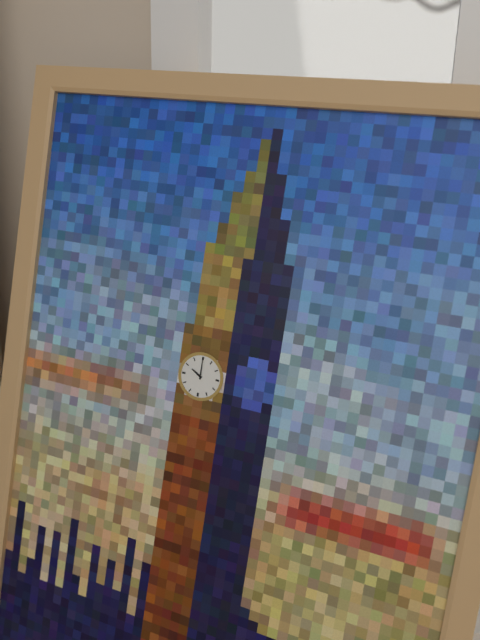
10.00
